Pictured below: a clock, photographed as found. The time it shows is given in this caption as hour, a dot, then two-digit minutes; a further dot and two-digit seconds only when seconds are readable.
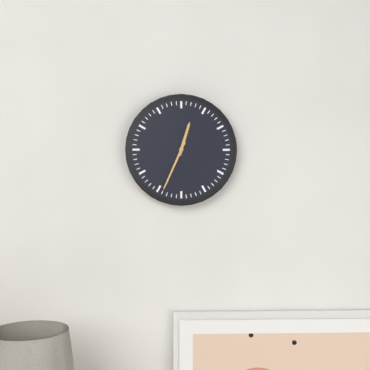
12.34
